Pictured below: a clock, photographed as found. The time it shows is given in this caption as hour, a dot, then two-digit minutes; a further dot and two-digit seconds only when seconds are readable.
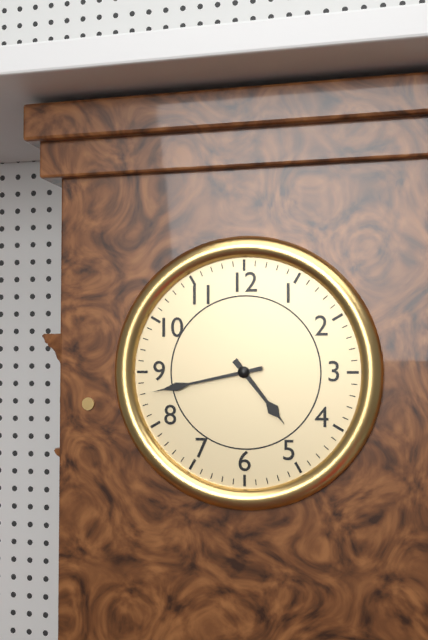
4.43
